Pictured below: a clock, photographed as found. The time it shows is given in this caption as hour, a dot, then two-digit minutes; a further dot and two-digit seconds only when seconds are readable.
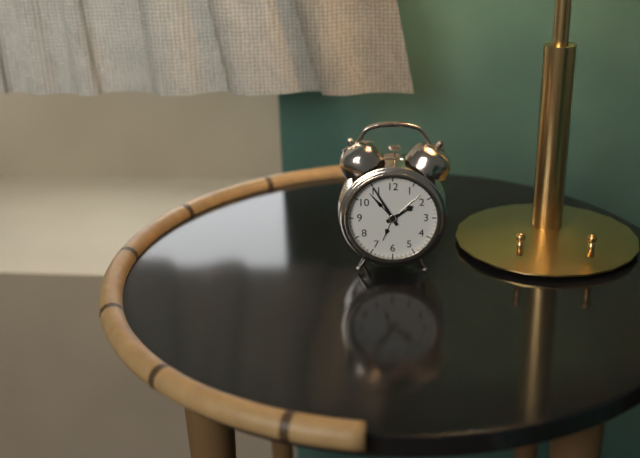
1.55
